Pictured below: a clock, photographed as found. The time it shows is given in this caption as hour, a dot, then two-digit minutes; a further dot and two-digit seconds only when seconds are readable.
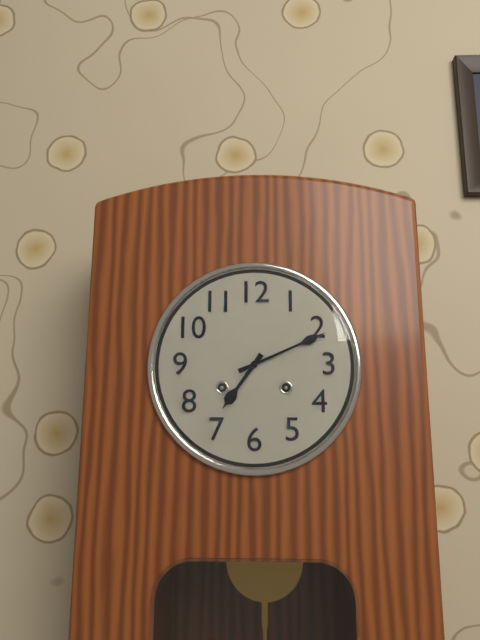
7.11
